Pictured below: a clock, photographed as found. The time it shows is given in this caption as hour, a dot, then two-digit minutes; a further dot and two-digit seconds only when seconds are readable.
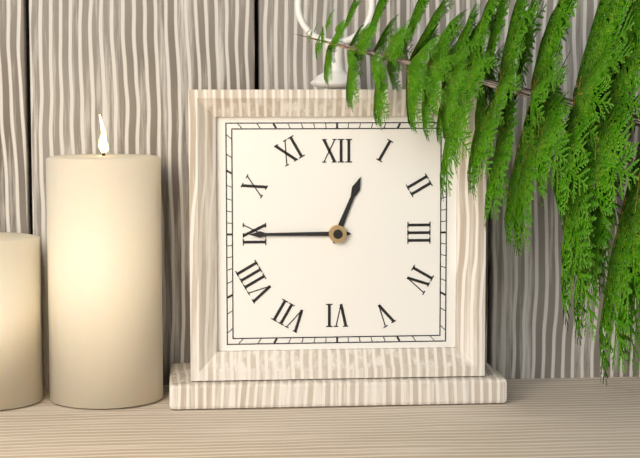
12.45
